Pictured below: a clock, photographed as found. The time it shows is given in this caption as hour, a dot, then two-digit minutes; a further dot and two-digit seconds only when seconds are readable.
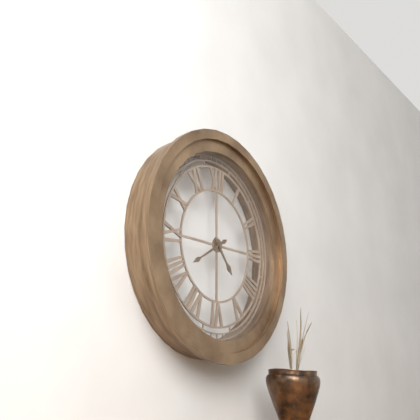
4.40
